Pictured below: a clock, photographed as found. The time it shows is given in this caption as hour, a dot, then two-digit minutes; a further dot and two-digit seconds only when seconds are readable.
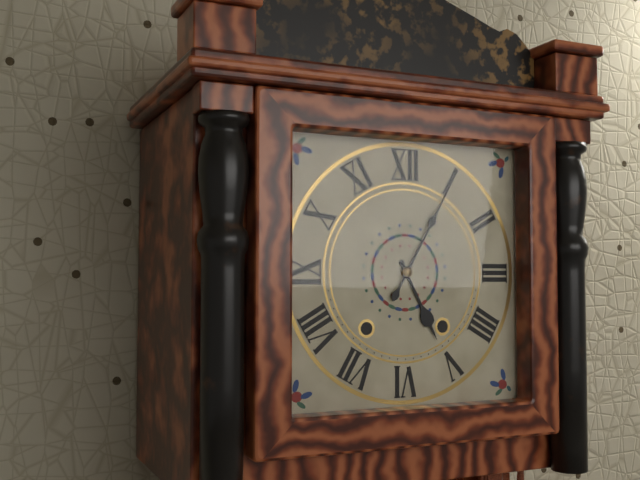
5.05
